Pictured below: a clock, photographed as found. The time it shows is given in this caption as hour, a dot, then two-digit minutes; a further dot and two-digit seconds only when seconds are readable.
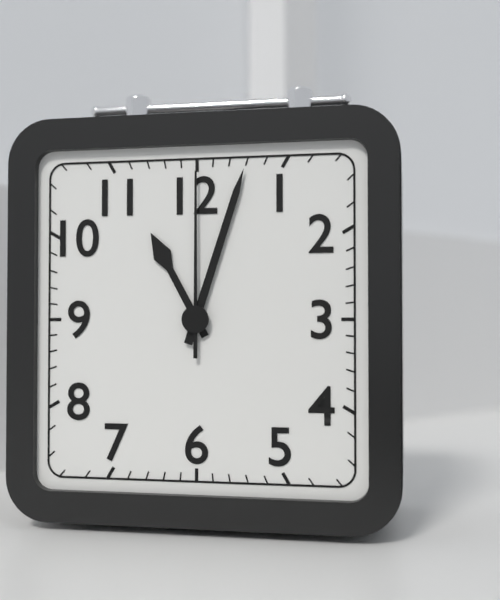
11.03.00
